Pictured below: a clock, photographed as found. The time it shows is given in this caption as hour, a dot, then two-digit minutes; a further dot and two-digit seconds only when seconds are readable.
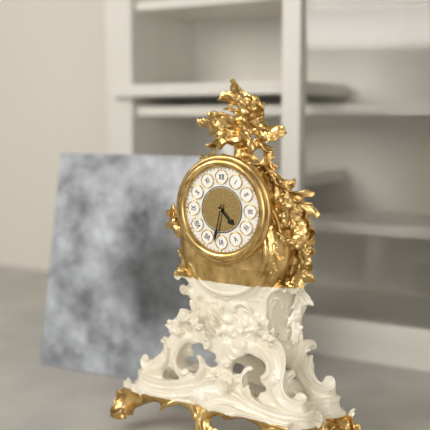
4.32
